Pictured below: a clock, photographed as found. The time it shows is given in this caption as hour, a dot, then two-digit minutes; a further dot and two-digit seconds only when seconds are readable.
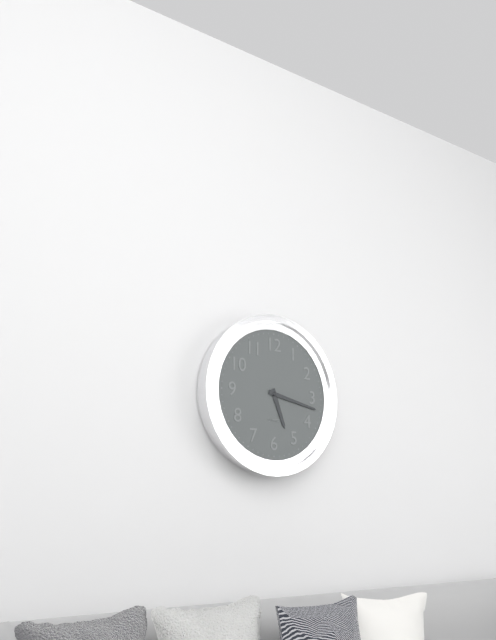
5.17
